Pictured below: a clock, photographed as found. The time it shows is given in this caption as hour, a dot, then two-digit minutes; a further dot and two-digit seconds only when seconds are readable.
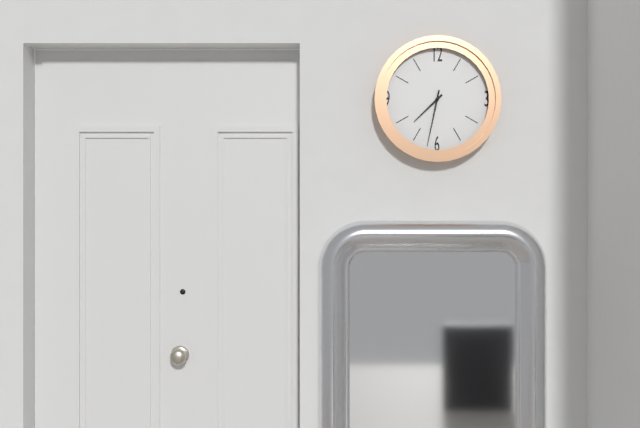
7.32
